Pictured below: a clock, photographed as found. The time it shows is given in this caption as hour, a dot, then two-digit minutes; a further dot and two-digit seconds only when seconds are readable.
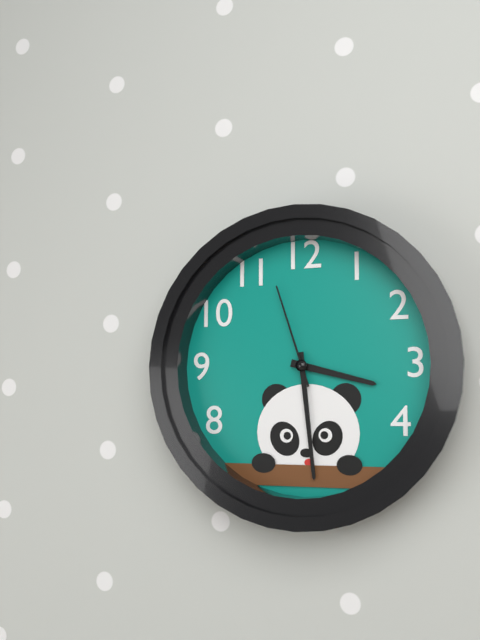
3.29.57
